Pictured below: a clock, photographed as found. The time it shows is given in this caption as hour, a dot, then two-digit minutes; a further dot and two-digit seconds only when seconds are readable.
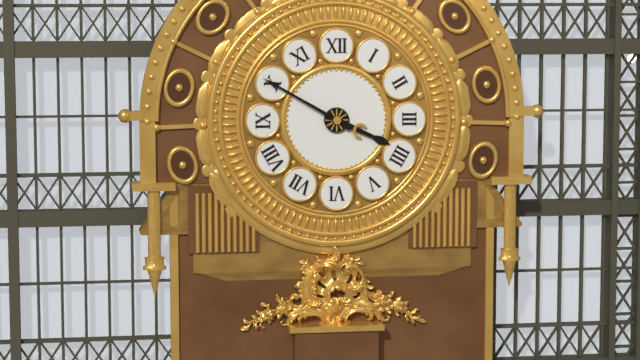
3.50
